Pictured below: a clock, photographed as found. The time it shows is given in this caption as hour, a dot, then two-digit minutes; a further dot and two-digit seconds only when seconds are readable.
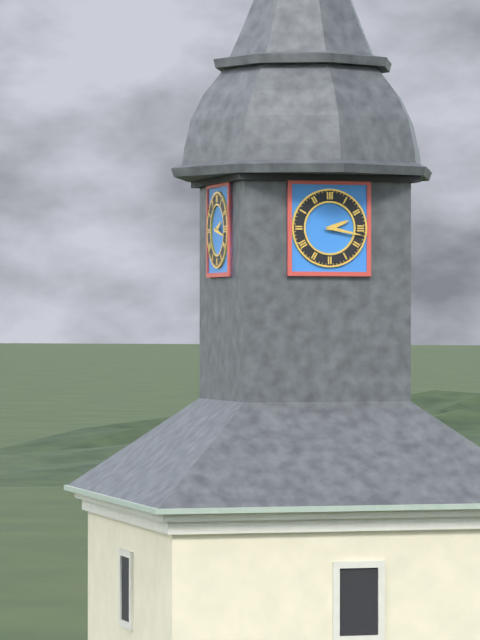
2.17
